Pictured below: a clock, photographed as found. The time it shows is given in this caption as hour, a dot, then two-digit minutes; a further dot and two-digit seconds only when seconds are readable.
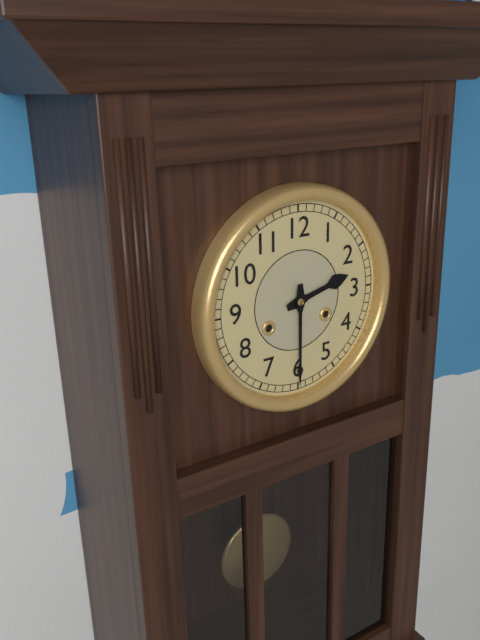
2.30
